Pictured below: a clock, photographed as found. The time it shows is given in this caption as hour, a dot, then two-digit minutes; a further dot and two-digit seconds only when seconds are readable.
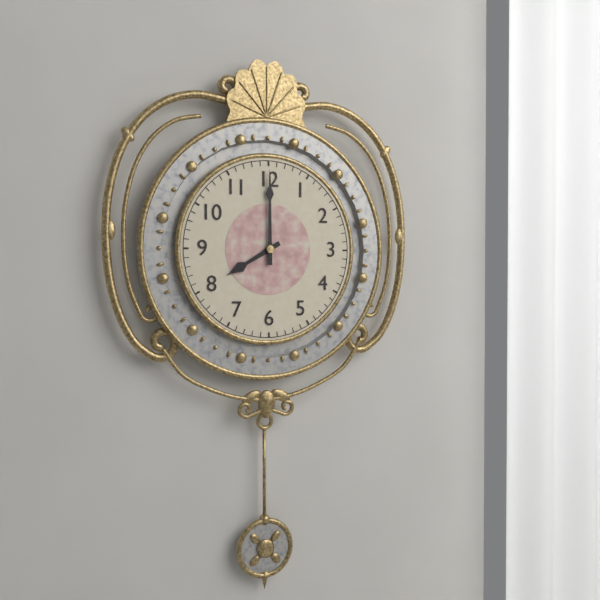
8.00
